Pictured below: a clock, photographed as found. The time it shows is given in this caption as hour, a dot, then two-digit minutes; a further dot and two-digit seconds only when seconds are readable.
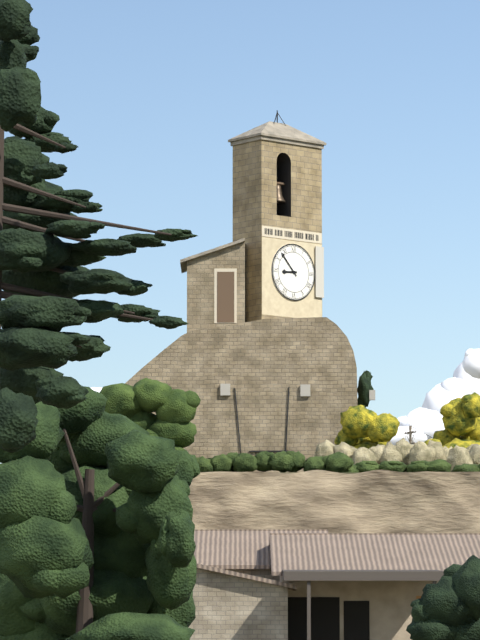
8.53
